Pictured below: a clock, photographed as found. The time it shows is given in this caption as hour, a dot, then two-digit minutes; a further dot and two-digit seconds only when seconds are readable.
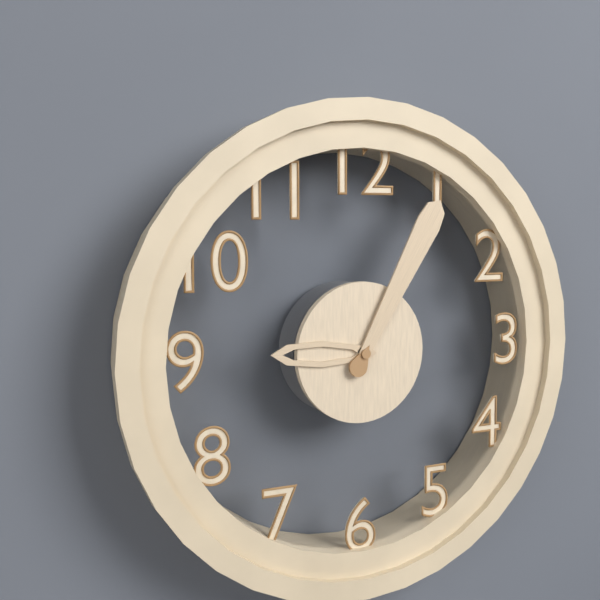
9.05
